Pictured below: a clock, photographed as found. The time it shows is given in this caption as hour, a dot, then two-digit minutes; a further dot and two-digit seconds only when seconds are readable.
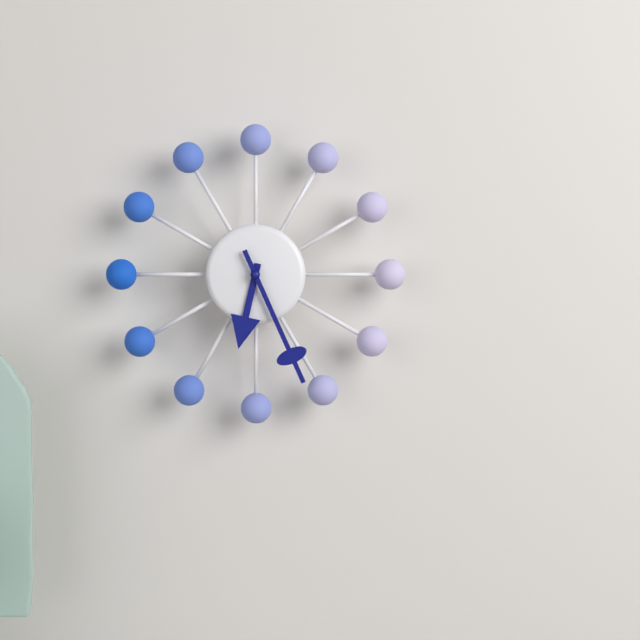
6.26
